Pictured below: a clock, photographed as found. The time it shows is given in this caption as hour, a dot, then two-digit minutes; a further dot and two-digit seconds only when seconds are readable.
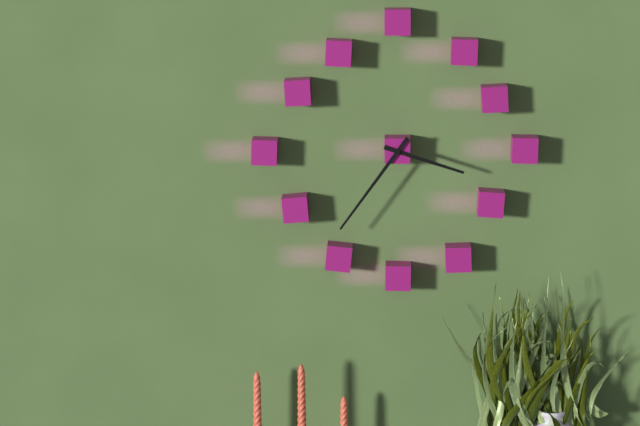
3.36
